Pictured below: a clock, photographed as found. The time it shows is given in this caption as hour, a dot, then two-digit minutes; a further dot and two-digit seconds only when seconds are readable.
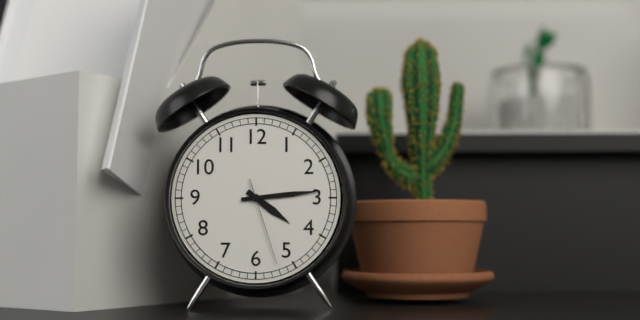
4.14.27
